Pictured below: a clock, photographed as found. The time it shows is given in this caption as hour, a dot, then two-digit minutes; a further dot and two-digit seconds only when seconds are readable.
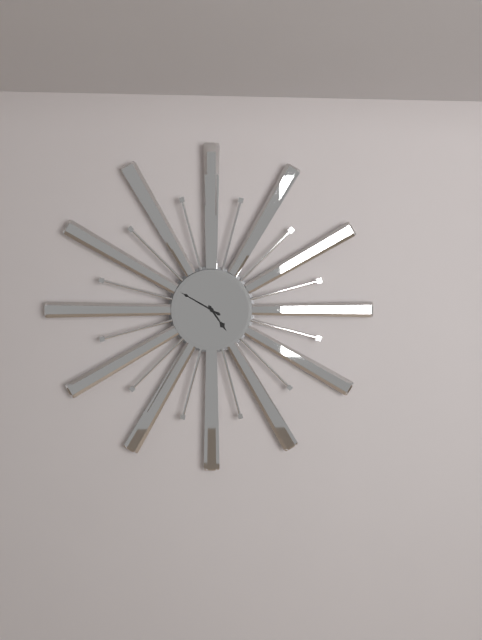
4.50
